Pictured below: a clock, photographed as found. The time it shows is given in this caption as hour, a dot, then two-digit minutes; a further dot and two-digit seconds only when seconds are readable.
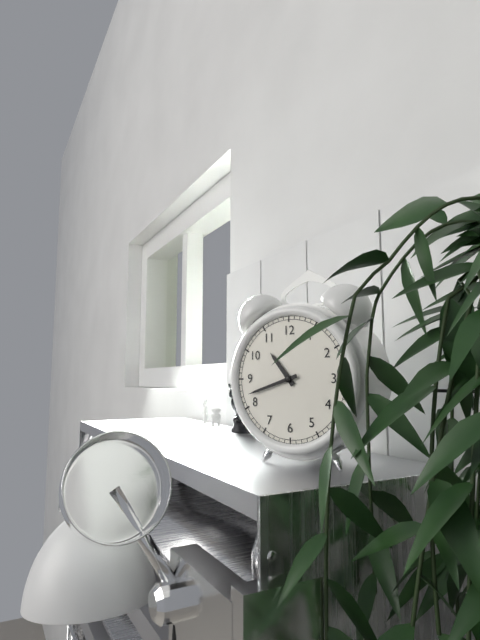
10.42
